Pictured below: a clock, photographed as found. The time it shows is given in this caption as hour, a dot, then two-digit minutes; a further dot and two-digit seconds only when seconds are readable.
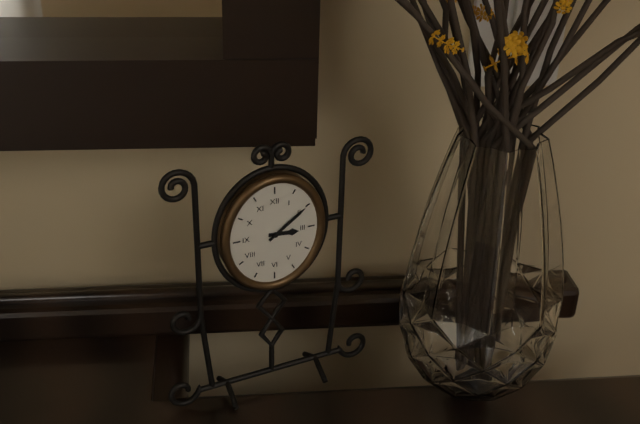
3.09
